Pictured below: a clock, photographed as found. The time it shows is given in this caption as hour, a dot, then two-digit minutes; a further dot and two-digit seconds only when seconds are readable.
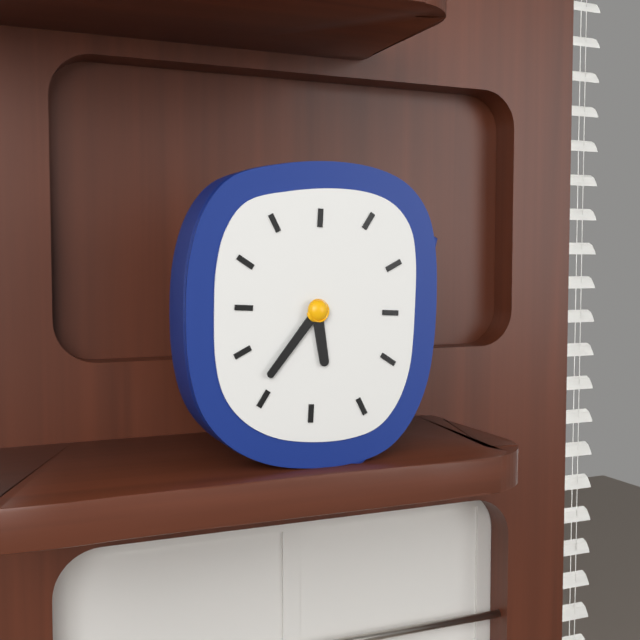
5.36
